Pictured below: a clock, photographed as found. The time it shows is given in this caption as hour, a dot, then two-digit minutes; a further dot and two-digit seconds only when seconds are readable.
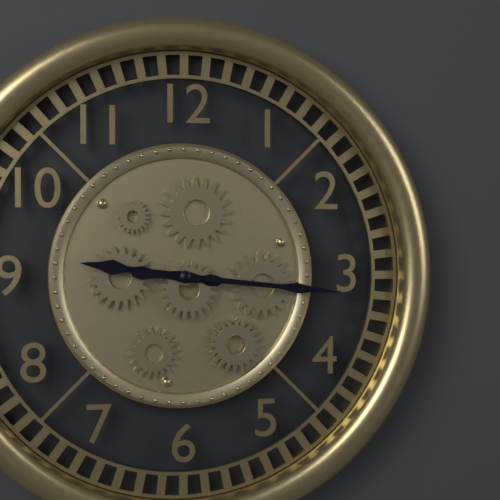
9.16
